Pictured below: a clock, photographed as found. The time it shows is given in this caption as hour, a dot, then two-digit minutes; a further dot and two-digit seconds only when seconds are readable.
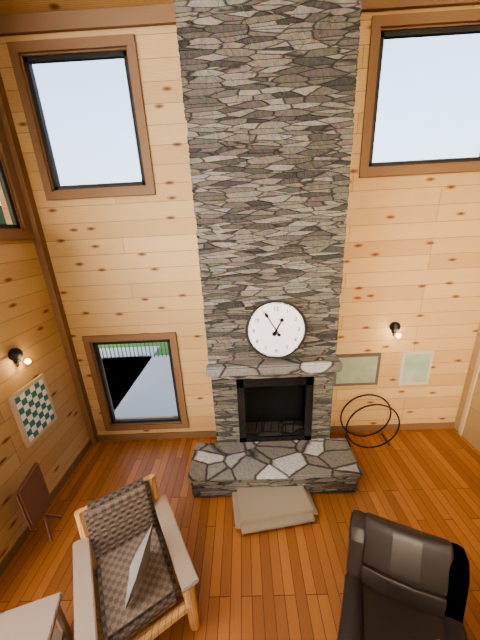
12.55
